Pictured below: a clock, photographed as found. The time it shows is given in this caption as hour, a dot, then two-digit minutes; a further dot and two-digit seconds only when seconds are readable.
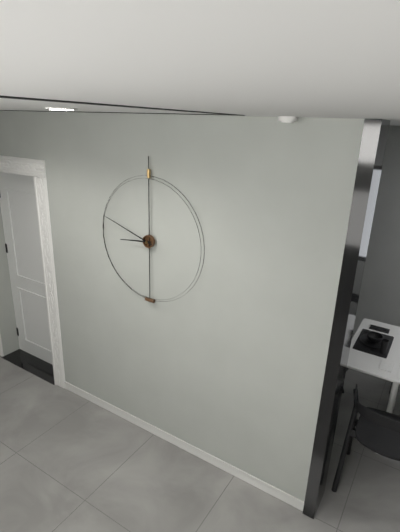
8.48
